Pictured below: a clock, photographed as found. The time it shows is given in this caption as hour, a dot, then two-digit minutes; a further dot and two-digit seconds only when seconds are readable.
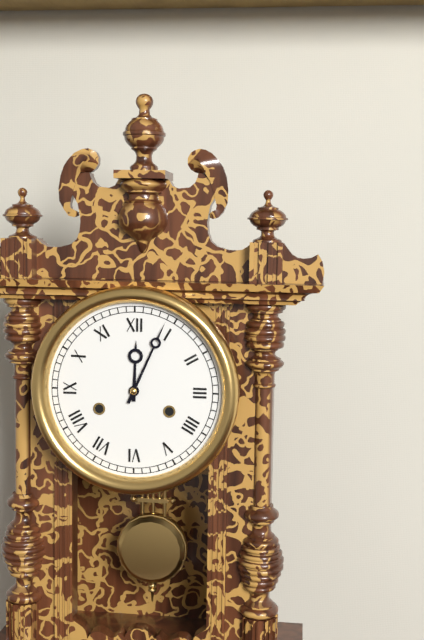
12.04
